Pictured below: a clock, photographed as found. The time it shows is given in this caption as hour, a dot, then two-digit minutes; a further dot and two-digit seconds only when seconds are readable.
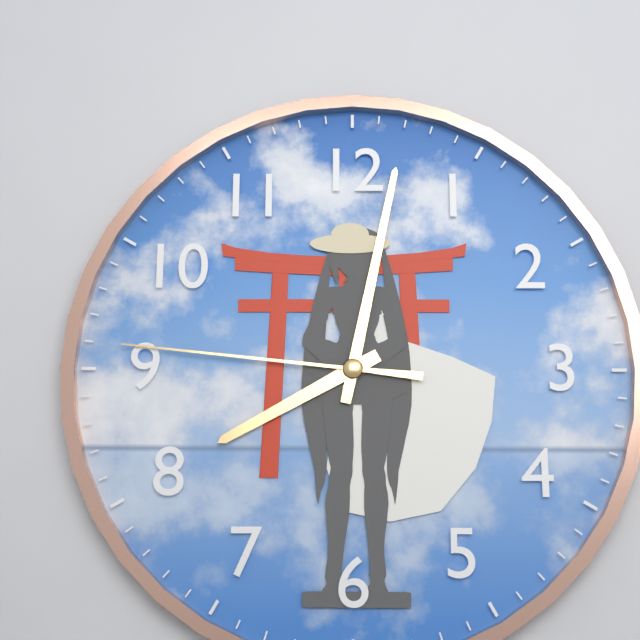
8.02.46
